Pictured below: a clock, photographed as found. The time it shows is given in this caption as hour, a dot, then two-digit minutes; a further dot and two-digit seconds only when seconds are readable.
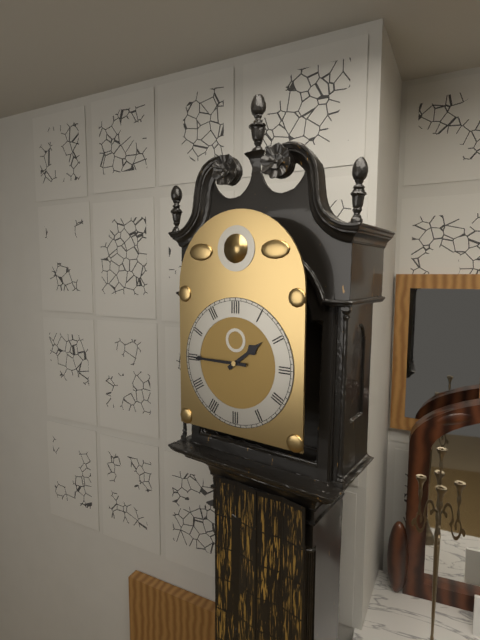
1.45
